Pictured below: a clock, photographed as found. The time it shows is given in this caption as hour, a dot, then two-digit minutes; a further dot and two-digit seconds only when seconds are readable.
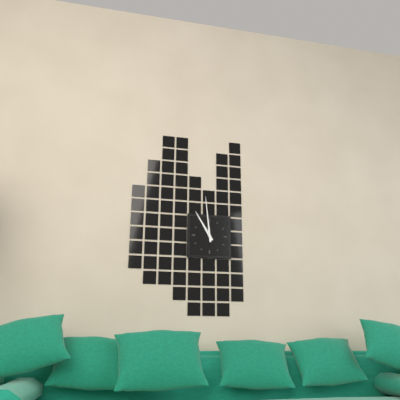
10.59
